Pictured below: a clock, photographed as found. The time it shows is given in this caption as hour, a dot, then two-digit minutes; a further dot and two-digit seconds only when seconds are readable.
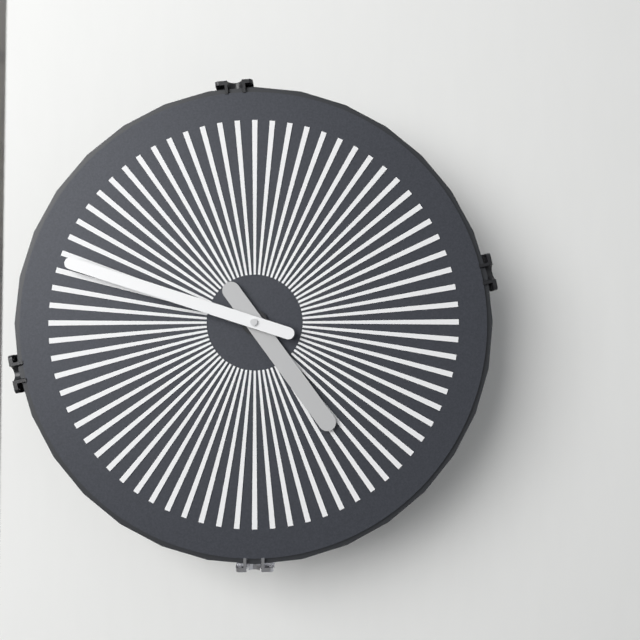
4.48
